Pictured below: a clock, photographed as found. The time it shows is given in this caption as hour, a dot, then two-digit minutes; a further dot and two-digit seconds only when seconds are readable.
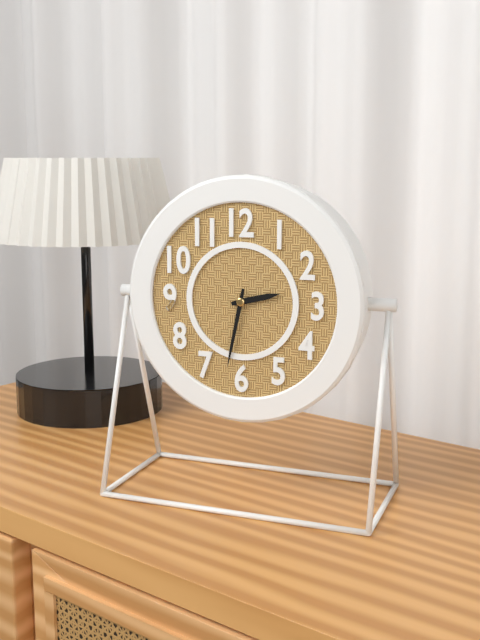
2.32
